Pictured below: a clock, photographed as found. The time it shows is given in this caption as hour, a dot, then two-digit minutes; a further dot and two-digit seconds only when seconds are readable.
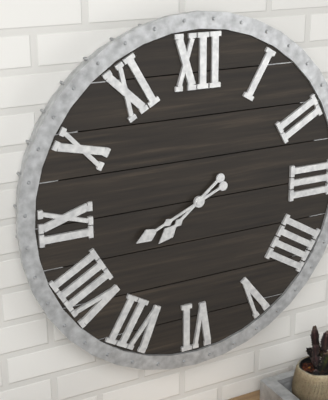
7.41
